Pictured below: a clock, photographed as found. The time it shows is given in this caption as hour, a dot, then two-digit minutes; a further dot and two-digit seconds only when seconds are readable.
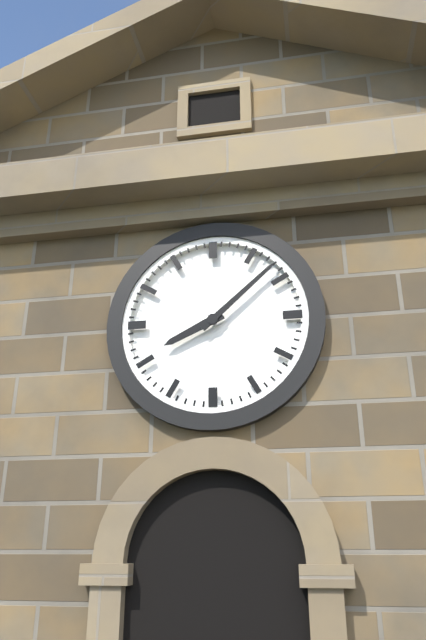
8.08
